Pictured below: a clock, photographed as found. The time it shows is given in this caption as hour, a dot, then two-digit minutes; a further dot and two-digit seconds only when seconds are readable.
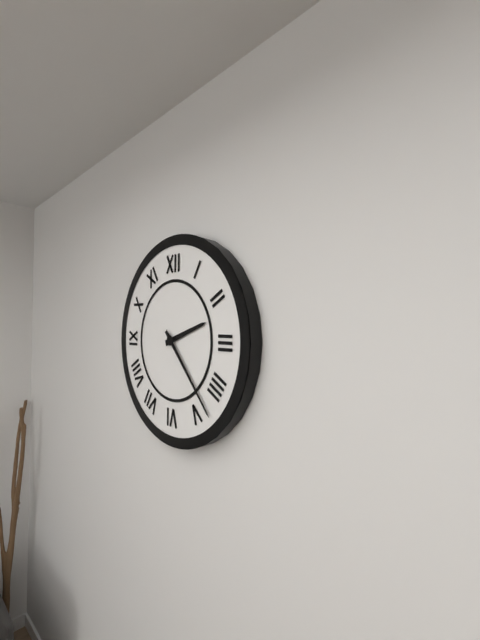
2.23
